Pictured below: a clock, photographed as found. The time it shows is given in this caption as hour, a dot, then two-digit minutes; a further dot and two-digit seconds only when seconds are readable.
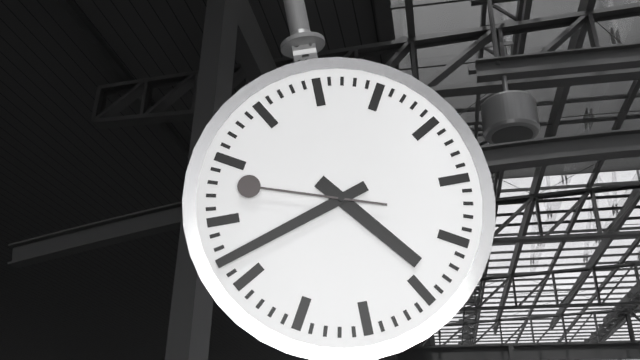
4.42.48
